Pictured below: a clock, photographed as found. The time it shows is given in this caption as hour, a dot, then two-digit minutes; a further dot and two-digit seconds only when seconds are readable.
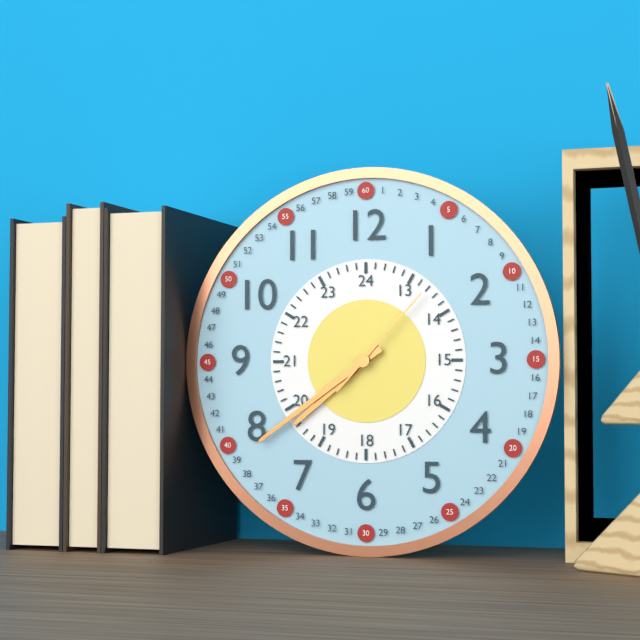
7.39.07
